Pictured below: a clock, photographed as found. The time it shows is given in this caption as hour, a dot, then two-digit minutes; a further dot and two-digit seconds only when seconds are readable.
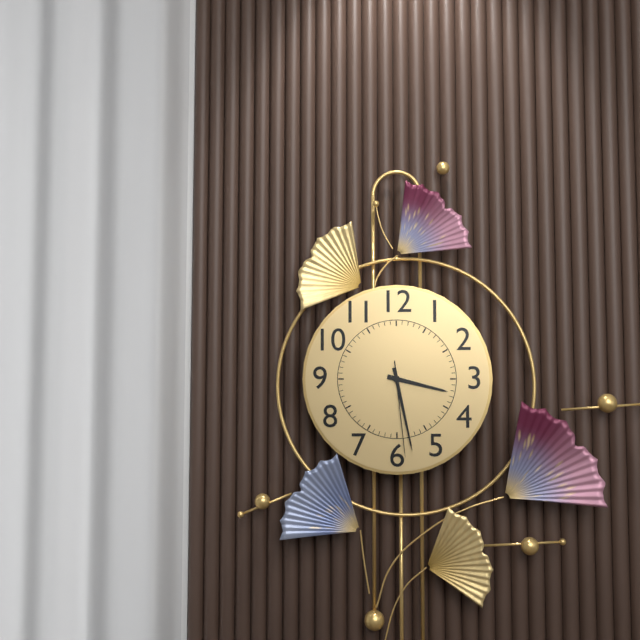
3.28.29
